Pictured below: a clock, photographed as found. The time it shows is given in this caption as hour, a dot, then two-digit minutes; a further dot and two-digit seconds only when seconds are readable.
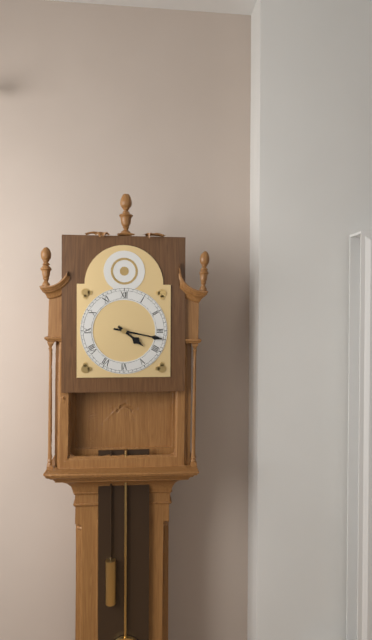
4.17
